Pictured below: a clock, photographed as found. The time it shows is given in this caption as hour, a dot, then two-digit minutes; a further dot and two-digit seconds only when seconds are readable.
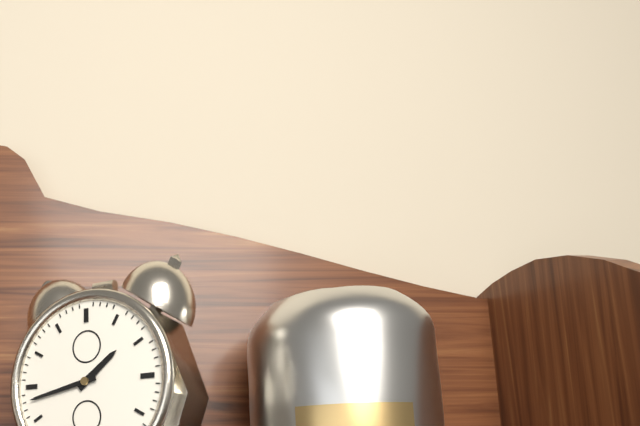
1.43
